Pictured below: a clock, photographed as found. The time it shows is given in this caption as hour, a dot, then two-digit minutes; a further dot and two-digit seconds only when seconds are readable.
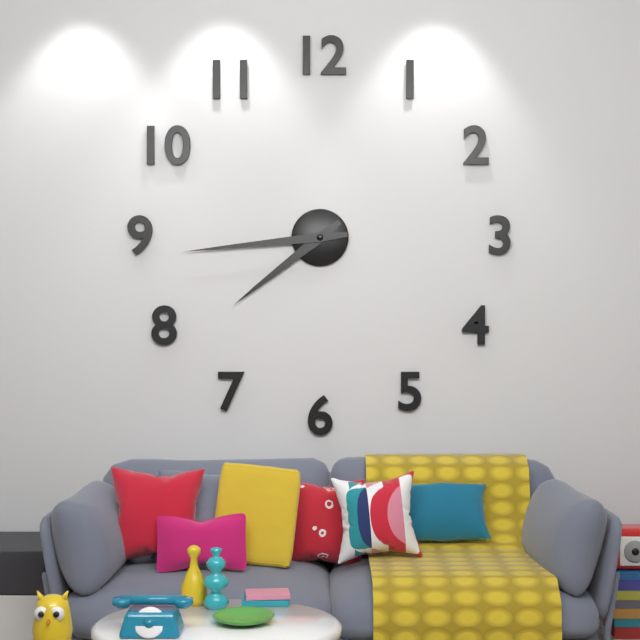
7.44
